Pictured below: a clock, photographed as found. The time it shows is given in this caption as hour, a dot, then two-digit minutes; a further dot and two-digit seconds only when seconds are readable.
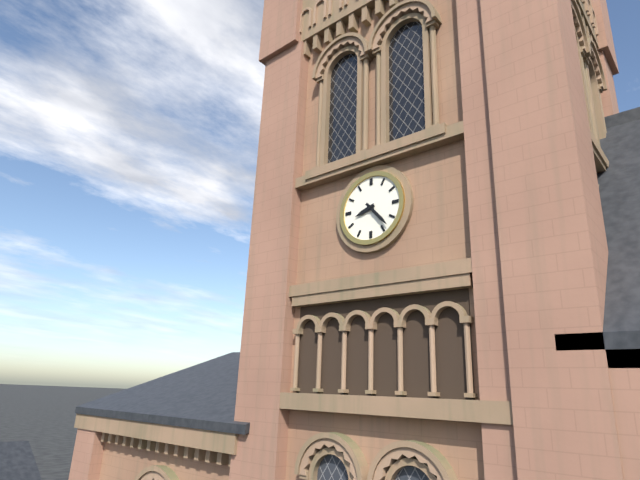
8.23
